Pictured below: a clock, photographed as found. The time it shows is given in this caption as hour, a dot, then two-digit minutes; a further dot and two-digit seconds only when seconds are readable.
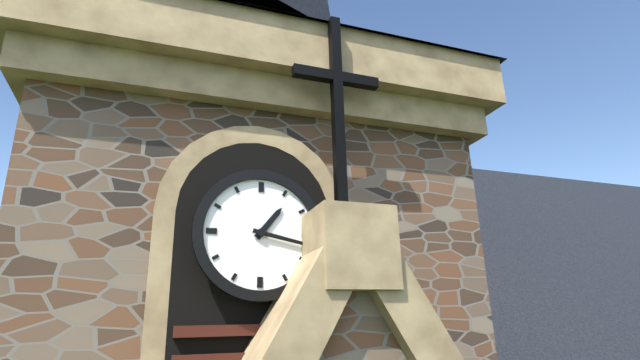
1.17
